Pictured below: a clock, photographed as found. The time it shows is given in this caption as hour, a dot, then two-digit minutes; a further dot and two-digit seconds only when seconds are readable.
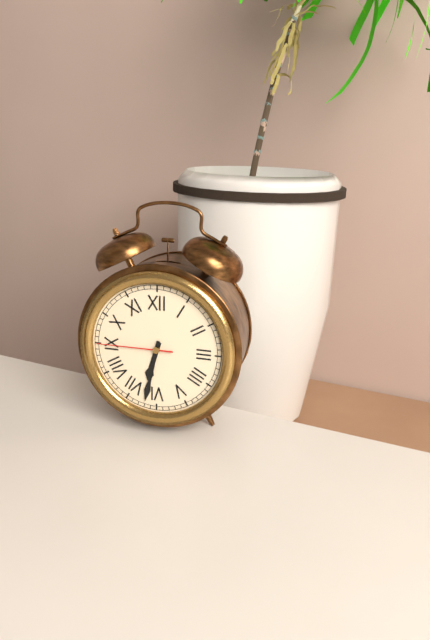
6.32.45
